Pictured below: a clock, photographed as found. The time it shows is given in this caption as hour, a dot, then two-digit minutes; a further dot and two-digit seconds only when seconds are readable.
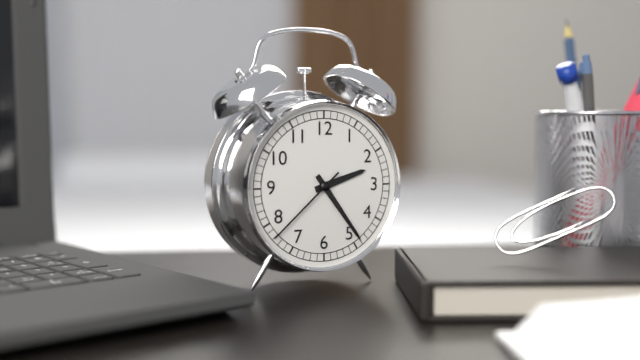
2.24.38
